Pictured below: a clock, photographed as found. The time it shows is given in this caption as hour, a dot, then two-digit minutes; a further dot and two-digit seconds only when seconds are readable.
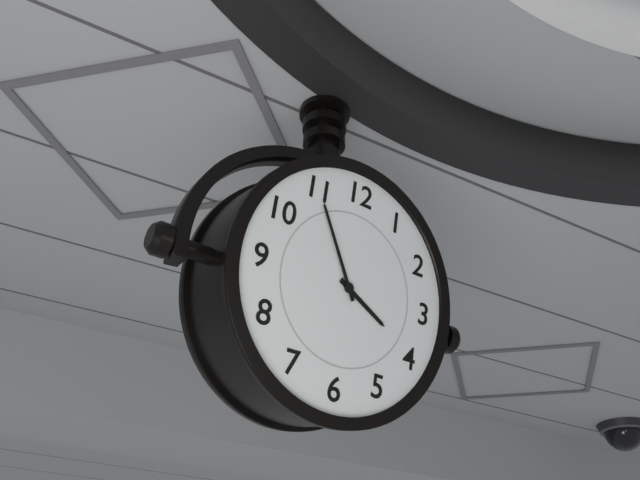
3.55
